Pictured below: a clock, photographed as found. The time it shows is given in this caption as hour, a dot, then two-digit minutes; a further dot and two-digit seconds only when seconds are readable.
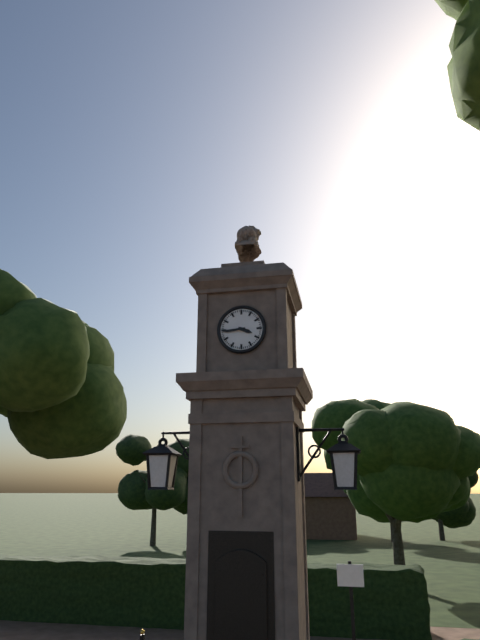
3.44
